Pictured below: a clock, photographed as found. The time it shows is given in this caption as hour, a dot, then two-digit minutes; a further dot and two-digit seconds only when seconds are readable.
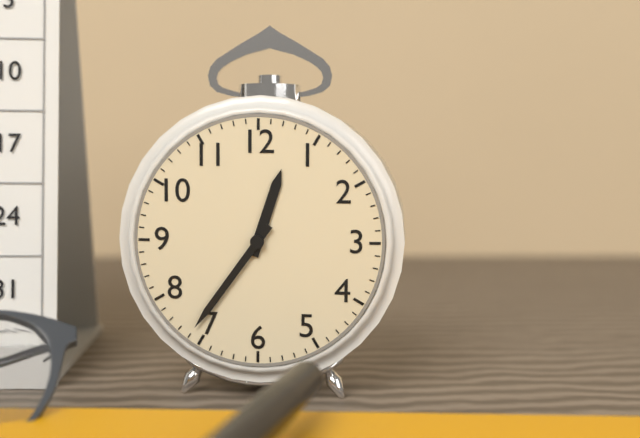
12.36
